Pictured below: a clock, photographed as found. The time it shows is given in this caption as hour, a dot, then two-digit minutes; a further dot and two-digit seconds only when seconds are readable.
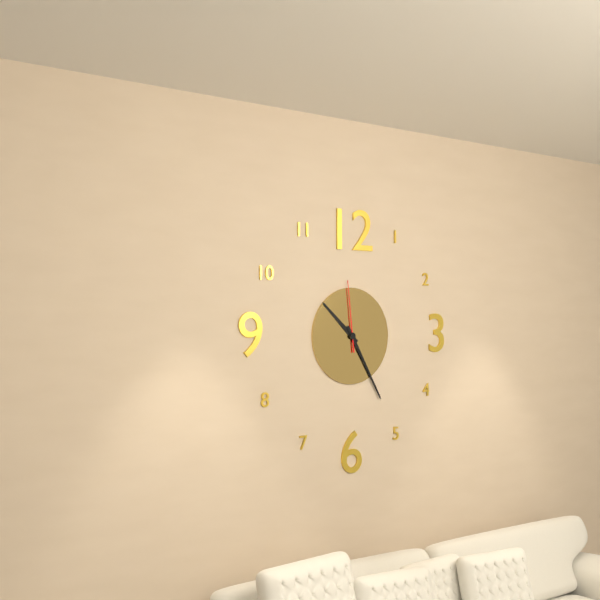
10.25.59
